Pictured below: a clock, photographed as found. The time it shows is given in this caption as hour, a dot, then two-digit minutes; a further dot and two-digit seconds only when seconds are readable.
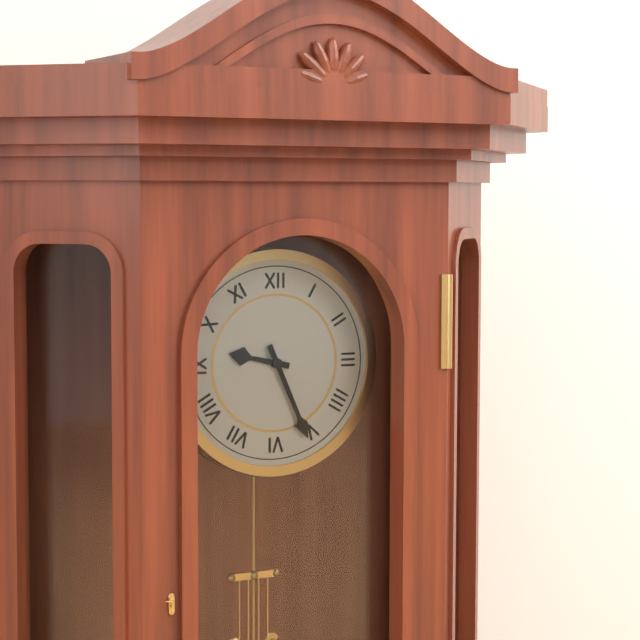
9.26
